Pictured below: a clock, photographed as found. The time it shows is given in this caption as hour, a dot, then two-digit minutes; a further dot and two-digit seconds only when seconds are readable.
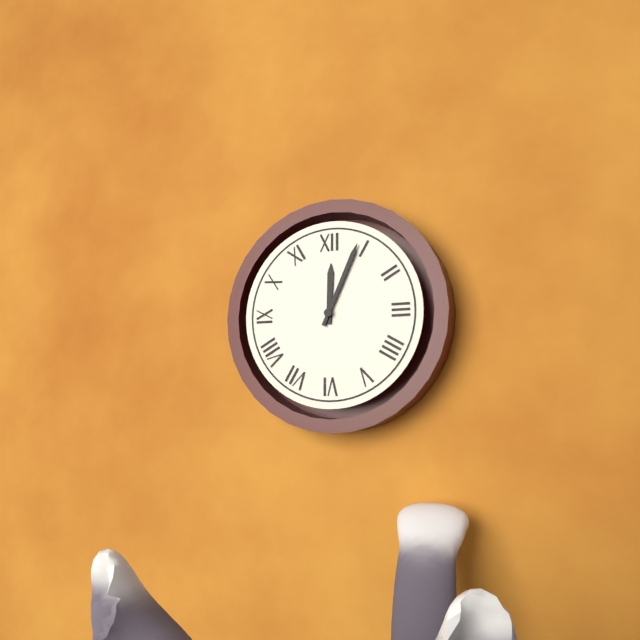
12.04
